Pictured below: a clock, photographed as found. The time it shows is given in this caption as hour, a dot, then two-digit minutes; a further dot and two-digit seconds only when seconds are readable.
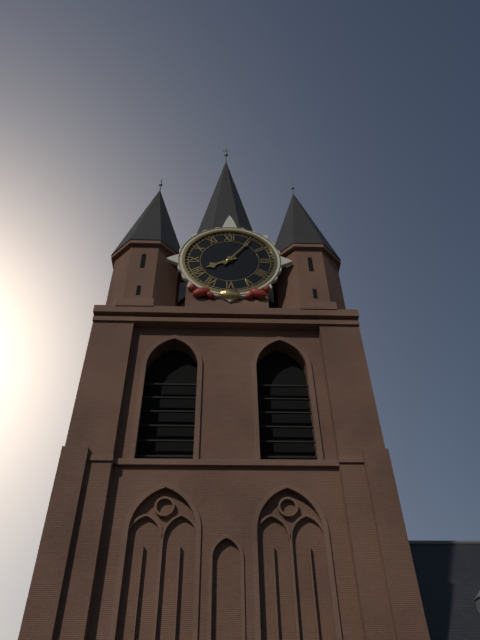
8.06
